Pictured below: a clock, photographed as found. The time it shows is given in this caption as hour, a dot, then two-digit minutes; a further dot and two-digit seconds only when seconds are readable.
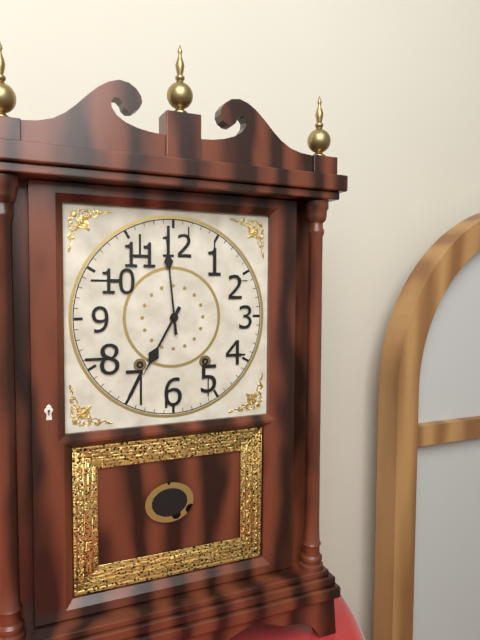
6.59
